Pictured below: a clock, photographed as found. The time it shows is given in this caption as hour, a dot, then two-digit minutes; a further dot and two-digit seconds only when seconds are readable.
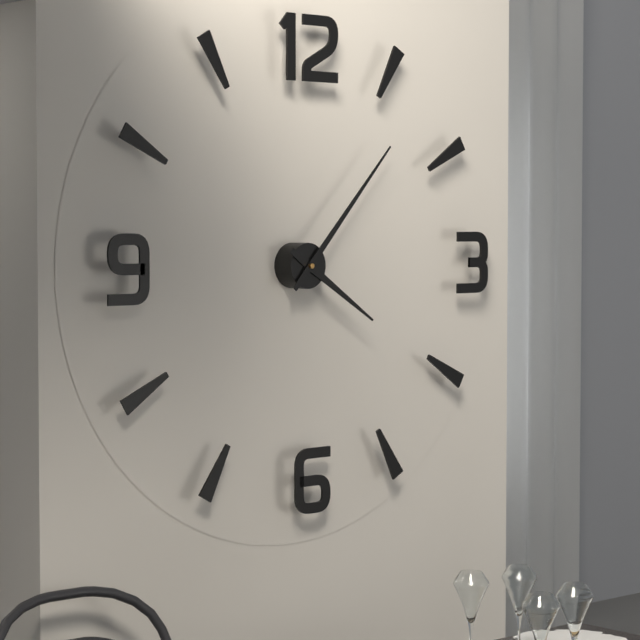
4.07
